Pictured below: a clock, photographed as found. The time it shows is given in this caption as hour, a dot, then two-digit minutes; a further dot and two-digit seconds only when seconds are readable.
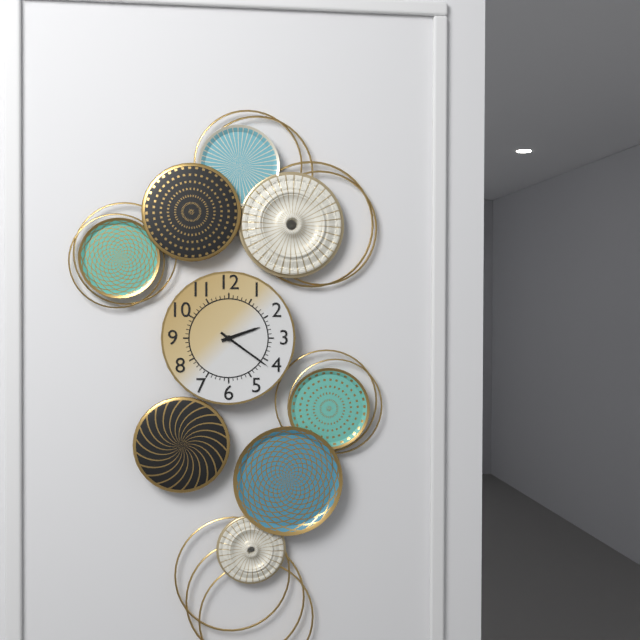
2.21
